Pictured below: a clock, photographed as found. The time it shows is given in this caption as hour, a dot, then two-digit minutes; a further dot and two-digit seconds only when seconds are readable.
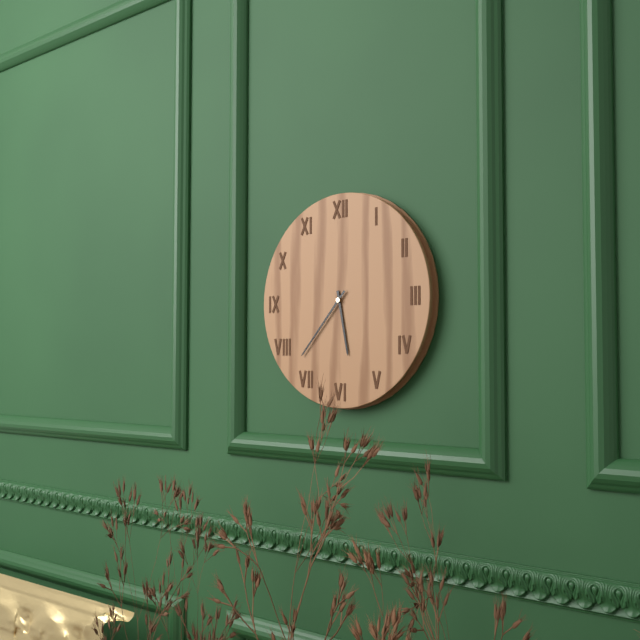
5.37
